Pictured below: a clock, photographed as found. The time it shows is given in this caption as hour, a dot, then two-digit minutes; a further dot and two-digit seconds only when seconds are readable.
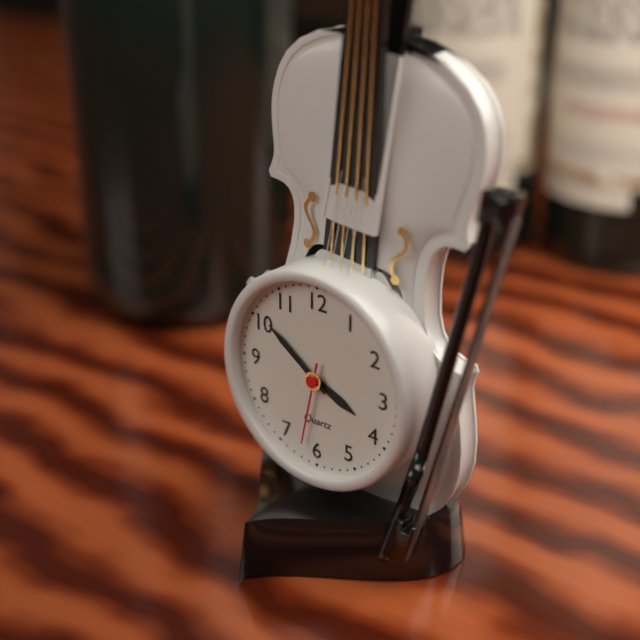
3.51.32
